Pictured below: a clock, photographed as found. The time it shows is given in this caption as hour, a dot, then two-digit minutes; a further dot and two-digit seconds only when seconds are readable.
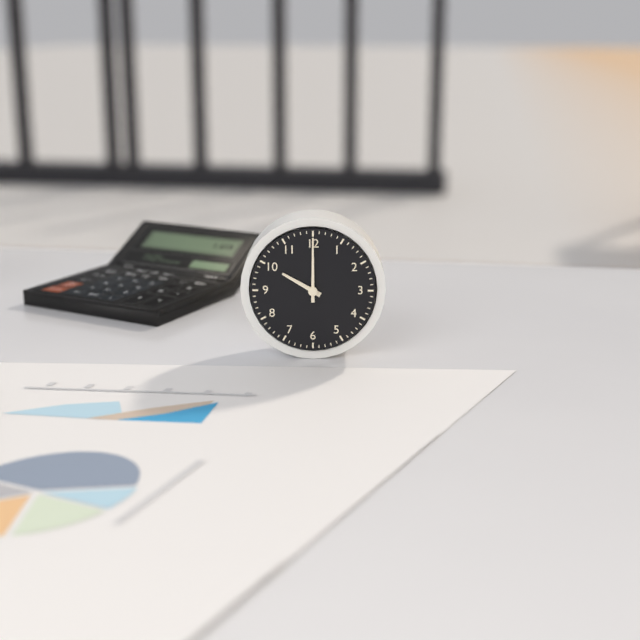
10.00
